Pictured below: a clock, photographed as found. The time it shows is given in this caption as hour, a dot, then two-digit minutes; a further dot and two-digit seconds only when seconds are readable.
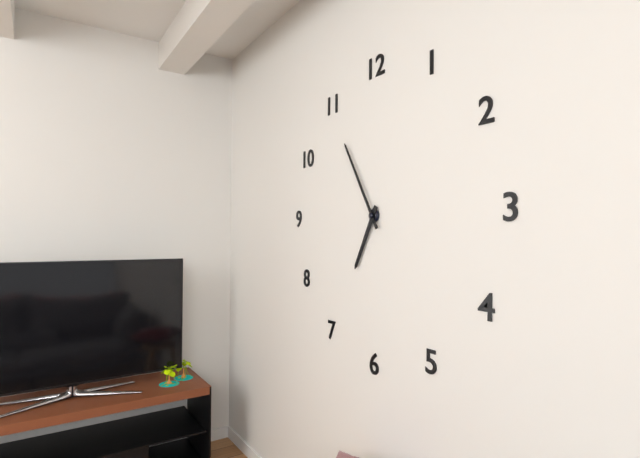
6.55
